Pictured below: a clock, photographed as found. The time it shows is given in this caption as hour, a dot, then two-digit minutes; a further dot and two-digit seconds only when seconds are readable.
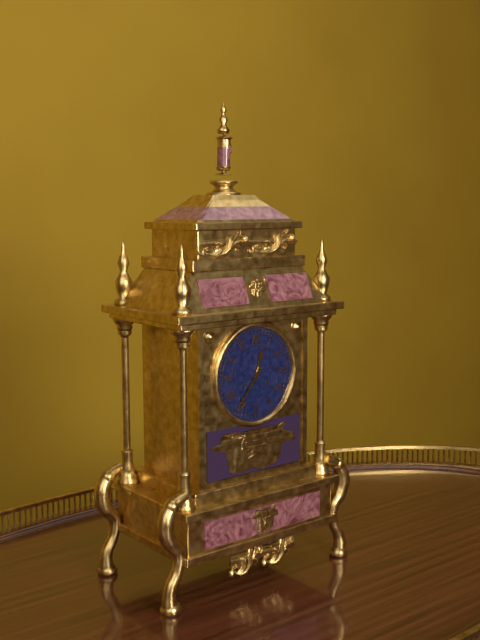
12.36
